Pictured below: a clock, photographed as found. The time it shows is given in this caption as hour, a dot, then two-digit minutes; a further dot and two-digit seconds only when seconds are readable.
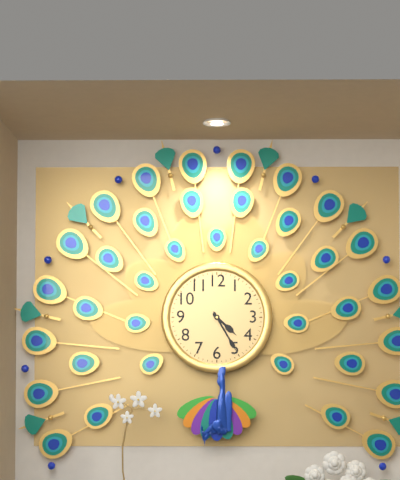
4.25
